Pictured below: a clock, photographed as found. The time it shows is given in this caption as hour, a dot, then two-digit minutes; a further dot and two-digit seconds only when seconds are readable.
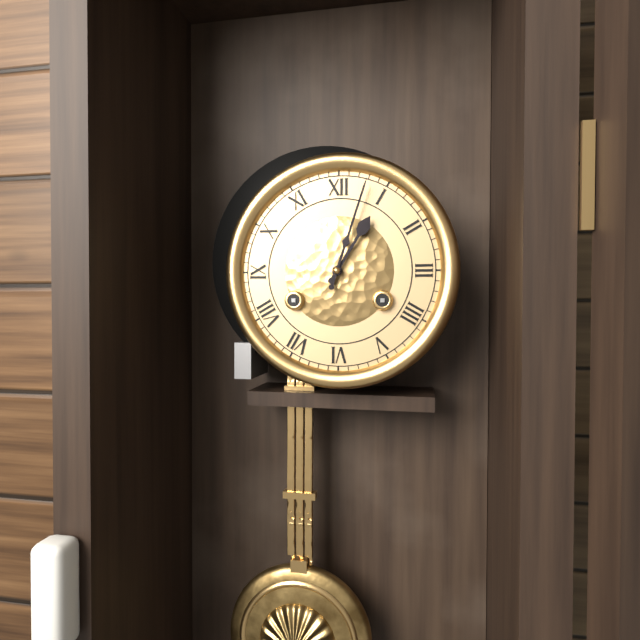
1.03
